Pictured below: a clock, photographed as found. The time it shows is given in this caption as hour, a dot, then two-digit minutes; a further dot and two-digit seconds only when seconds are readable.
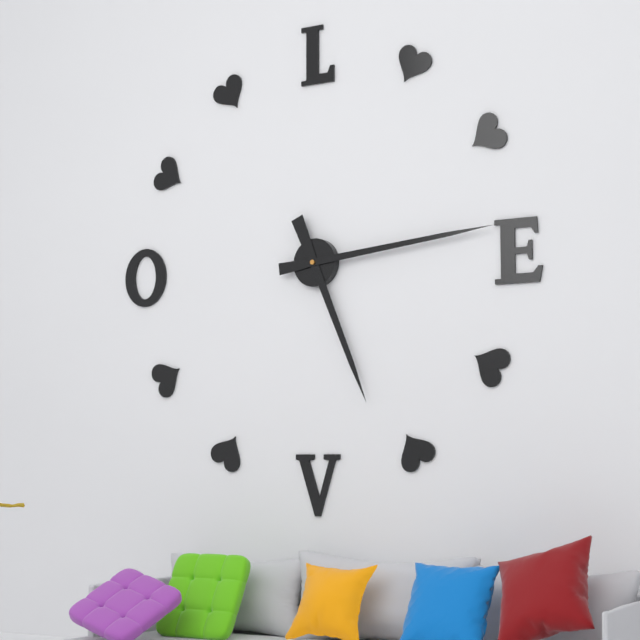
5.14
